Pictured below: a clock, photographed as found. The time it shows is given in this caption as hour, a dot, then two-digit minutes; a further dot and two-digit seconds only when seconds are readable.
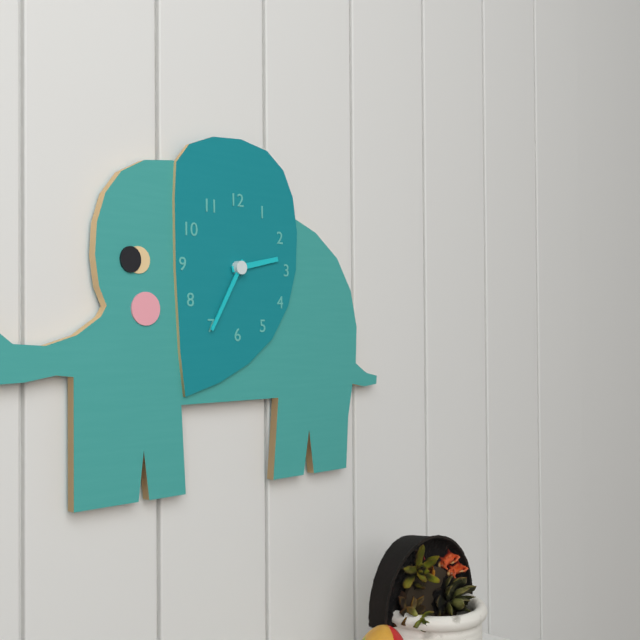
2.35
